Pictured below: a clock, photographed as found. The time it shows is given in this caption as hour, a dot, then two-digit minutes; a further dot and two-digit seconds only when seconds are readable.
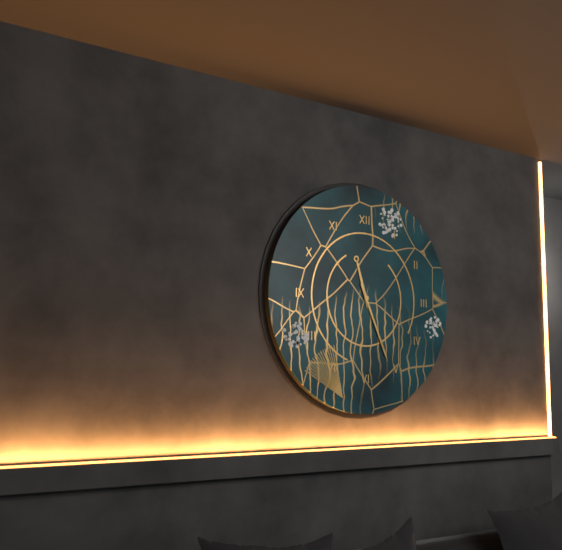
11.26
